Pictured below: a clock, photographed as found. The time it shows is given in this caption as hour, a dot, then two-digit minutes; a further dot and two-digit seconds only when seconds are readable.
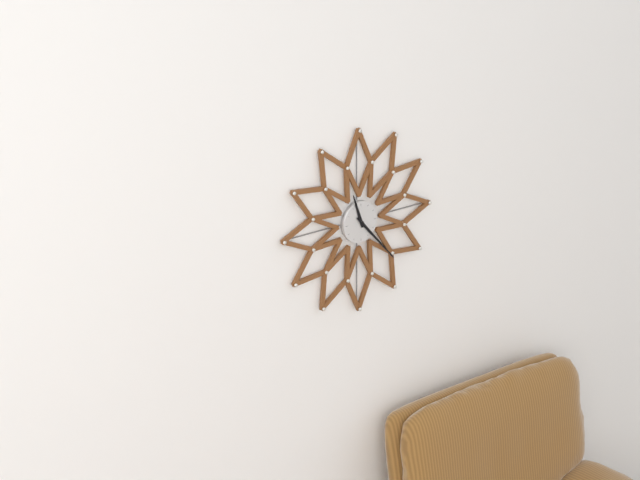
11.23
